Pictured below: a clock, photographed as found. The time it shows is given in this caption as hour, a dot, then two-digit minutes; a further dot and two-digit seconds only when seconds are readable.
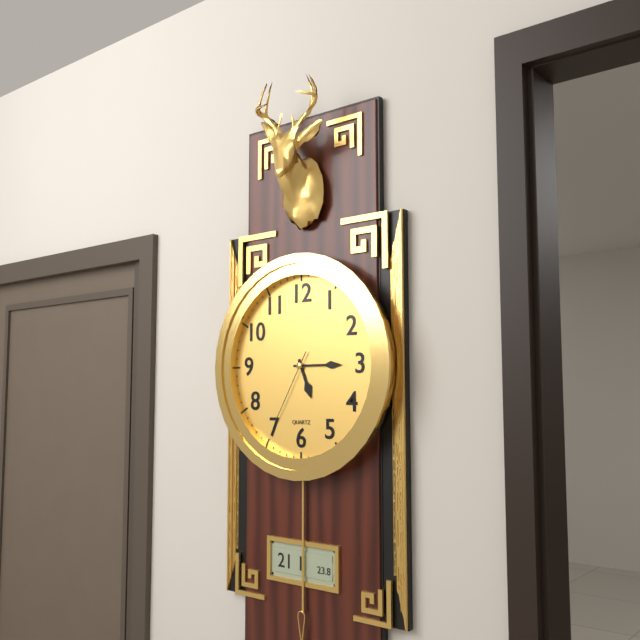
5.15.35
